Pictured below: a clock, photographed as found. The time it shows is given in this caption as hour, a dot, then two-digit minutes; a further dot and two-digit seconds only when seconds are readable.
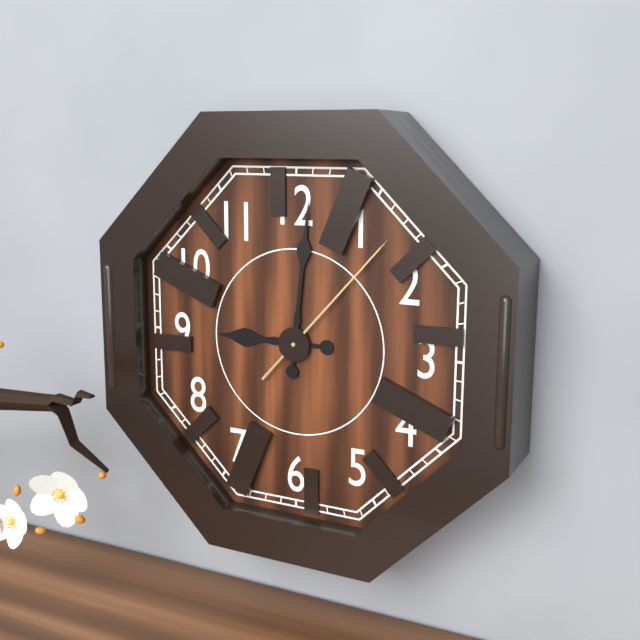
9.01.07
